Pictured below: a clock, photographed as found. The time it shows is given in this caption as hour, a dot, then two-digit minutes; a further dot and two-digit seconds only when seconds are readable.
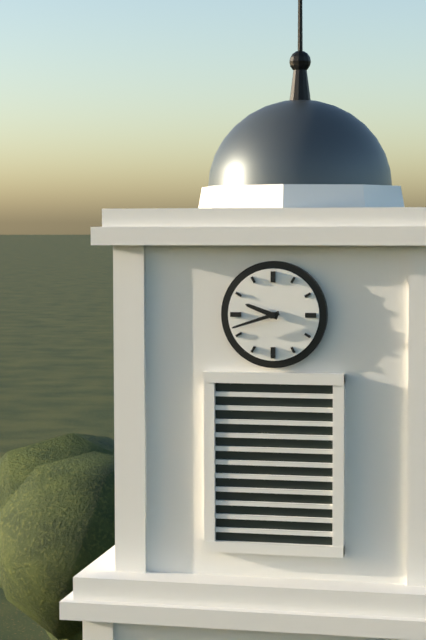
9.42
